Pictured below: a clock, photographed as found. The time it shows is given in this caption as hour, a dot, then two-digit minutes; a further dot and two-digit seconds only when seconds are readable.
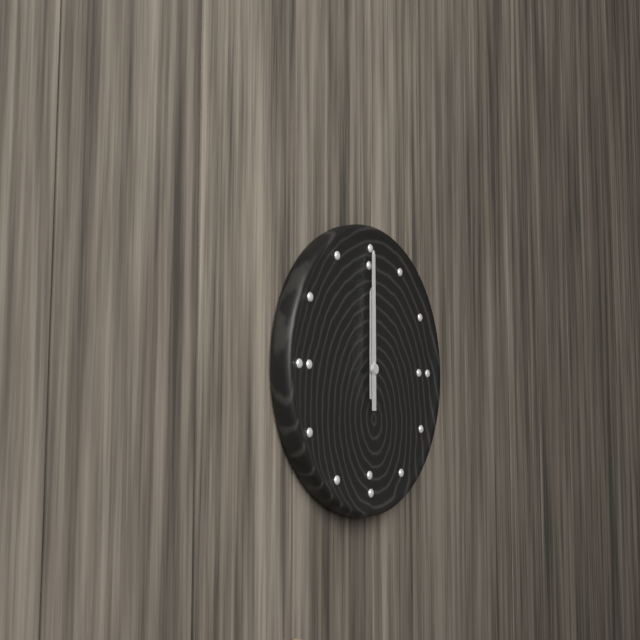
12.00
